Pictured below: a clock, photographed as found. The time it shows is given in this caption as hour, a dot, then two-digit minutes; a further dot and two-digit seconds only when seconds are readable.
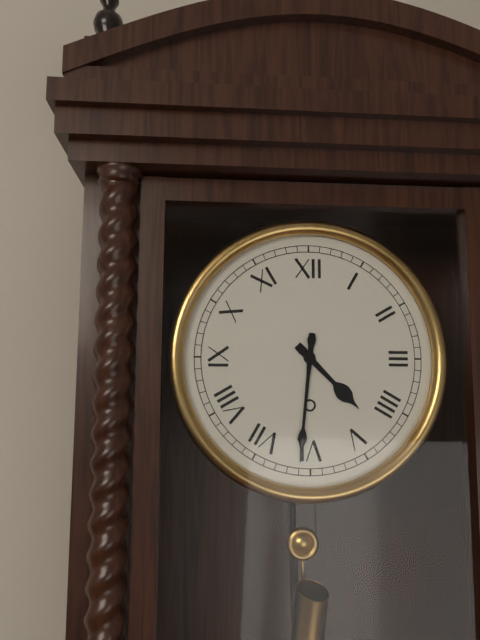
4.31
